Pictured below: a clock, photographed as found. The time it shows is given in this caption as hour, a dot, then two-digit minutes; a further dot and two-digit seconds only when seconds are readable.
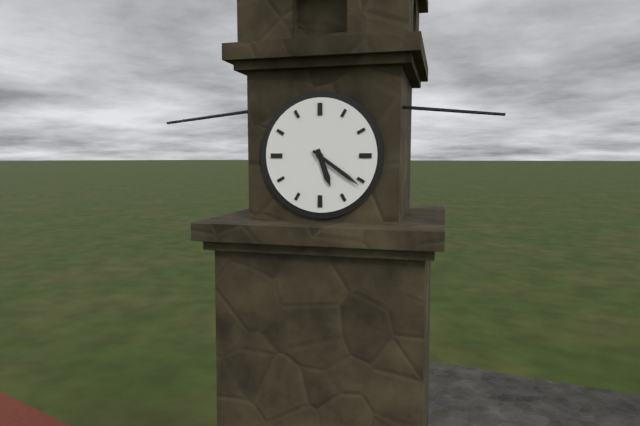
5.21
